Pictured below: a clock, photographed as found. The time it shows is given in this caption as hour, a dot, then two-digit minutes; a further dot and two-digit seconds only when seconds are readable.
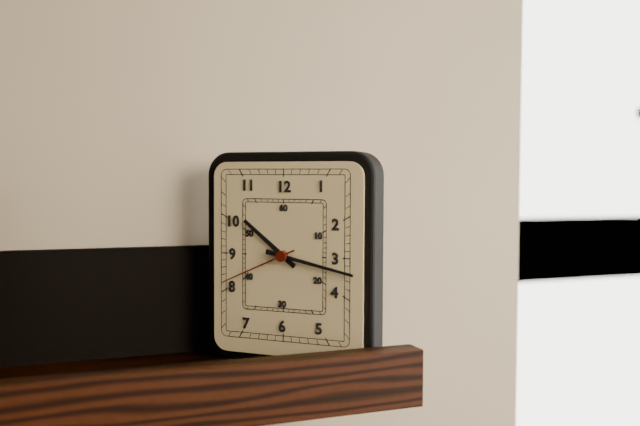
10.17.41
